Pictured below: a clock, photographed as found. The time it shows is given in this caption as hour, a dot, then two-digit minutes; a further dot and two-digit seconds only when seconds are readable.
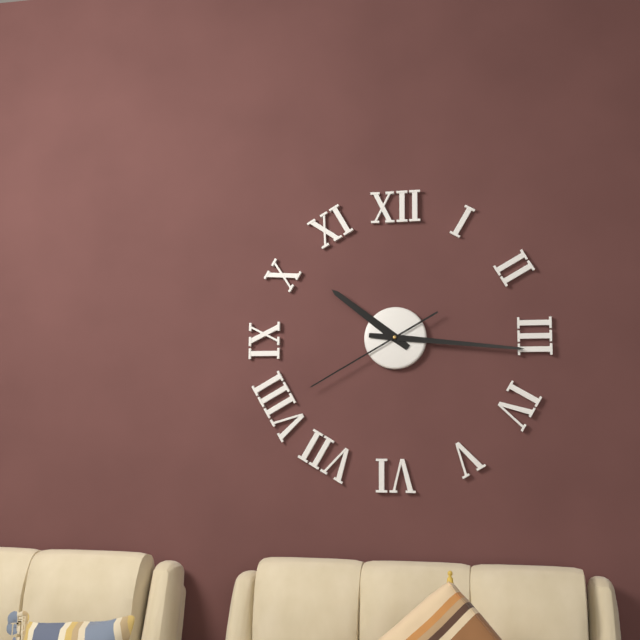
10.16.40
